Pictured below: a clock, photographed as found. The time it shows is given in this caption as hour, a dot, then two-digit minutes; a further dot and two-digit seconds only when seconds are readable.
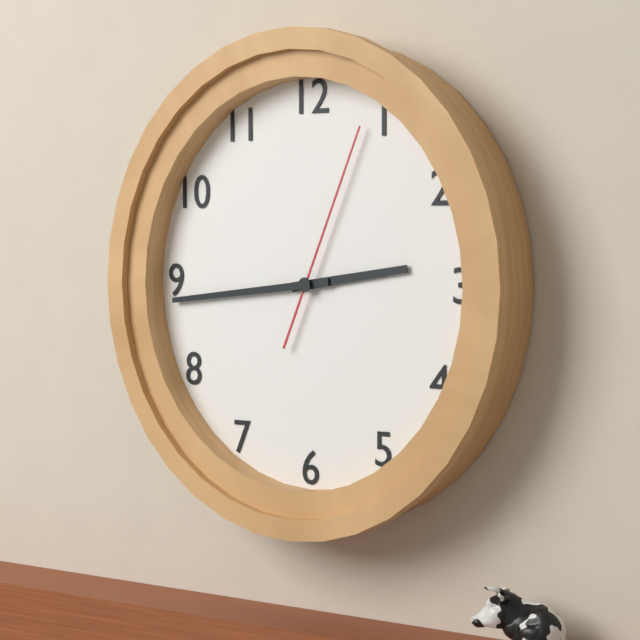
2.44.04
